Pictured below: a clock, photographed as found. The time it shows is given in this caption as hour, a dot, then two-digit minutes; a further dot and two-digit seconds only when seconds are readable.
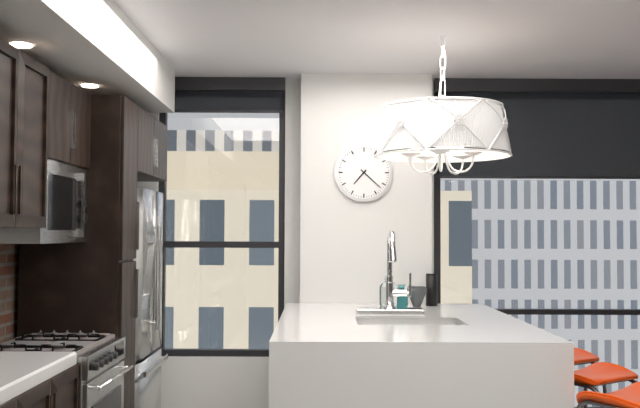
7.22
